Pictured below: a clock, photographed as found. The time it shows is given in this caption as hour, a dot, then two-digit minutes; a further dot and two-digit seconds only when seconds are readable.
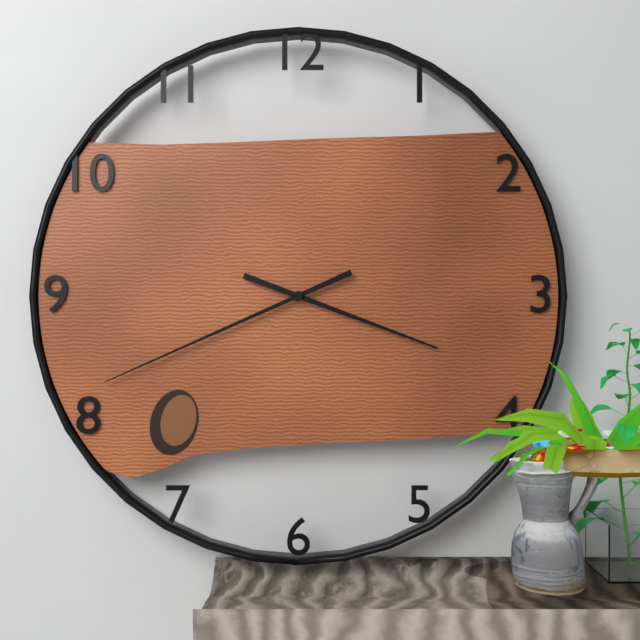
3.41
